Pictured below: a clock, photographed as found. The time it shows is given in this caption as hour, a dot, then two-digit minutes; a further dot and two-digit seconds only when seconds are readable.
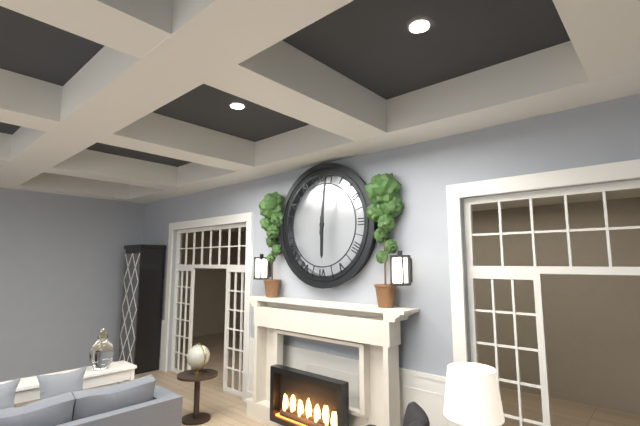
6.01
